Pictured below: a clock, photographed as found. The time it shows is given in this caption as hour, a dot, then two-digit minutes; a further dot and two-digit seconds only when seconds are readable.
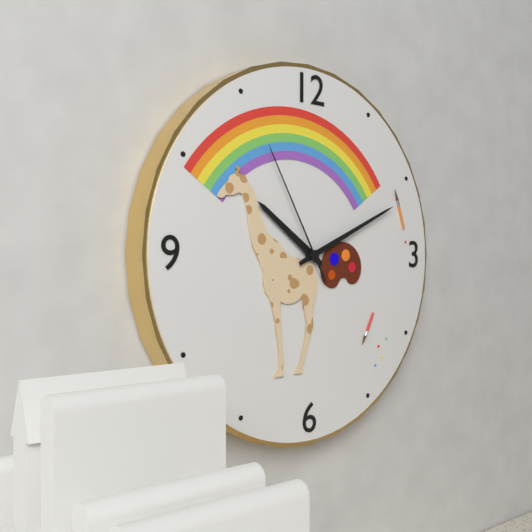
10.11.55
